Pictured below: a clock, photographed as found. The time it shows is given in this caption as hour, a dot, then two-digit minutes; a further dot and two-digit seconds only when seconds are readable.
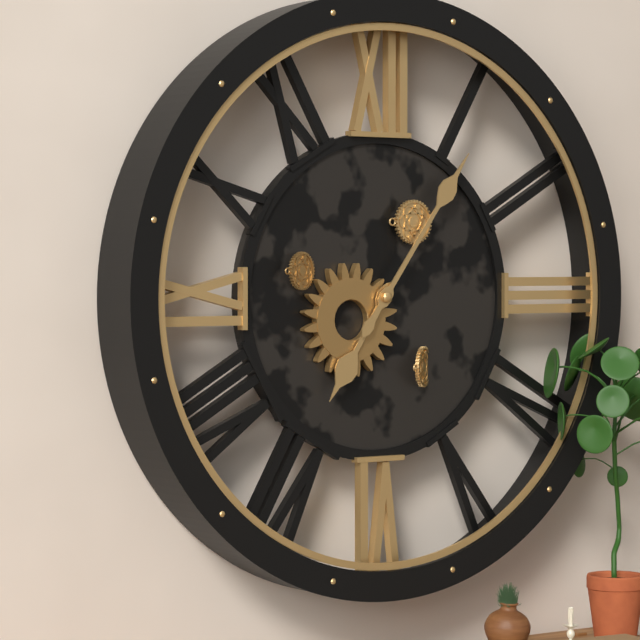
7.06
